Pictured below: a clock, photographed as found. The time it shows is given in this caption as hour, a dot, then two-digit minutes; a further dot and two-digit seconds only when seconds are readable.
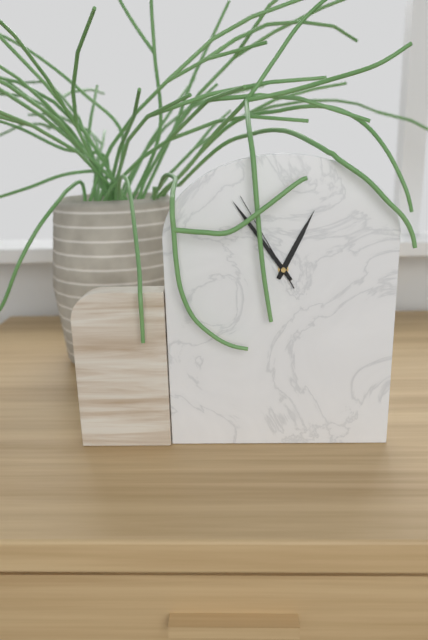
12.54.55
